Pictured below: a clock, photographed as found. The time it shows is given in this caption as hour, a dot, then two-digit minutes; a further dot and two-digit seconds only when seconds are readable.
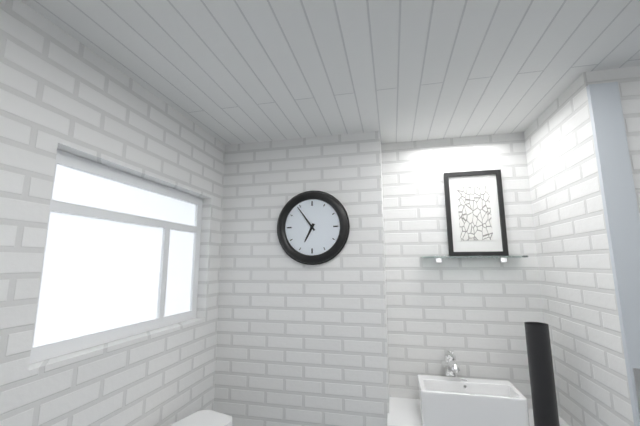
6.54
